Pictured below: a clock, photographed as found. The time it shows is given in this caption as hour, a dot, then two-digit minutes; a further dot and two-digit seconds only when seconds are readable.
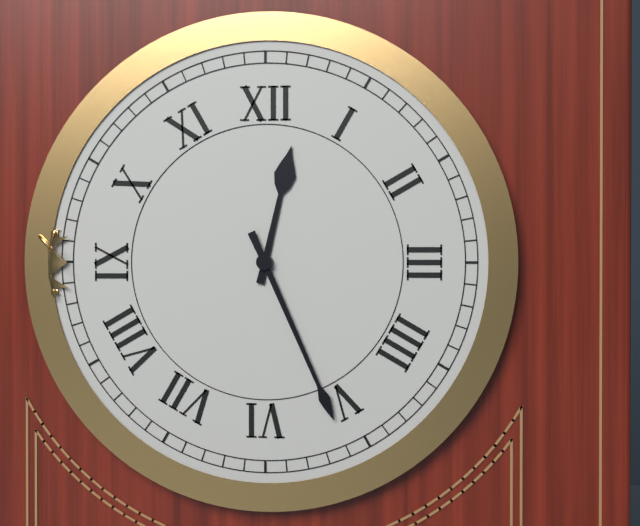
12.26
